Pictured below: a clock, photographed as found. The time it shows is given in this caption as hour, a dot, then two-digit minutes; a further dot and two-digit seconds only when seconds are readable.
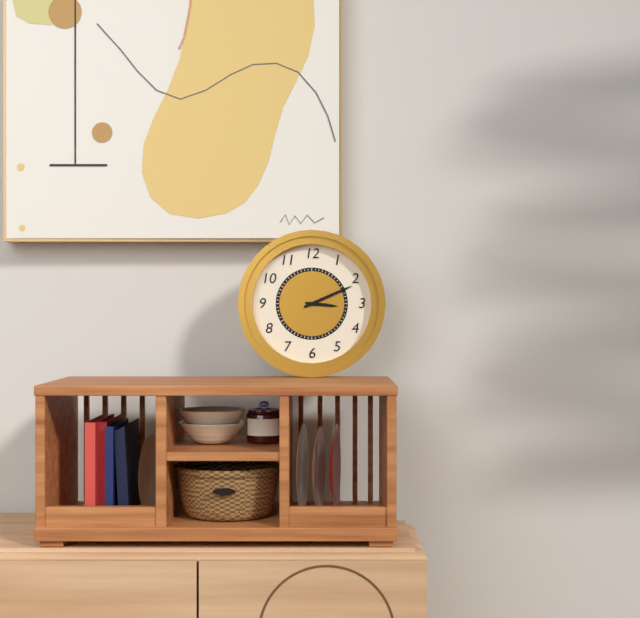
3.11
